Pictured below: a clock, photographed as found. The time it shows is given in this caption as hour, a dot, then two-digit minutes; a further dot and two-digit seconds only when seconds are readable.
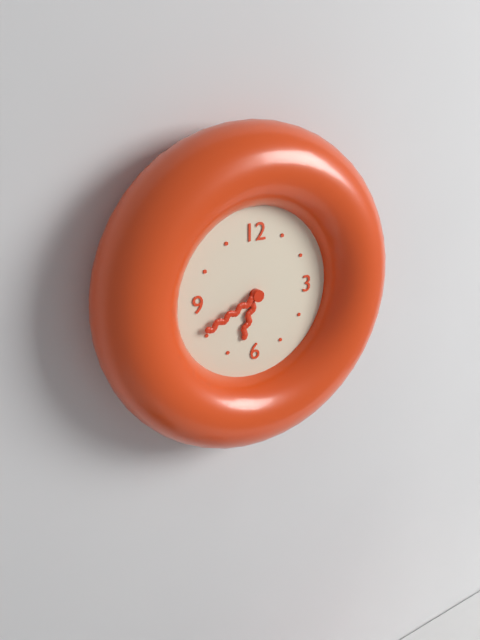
6.41
